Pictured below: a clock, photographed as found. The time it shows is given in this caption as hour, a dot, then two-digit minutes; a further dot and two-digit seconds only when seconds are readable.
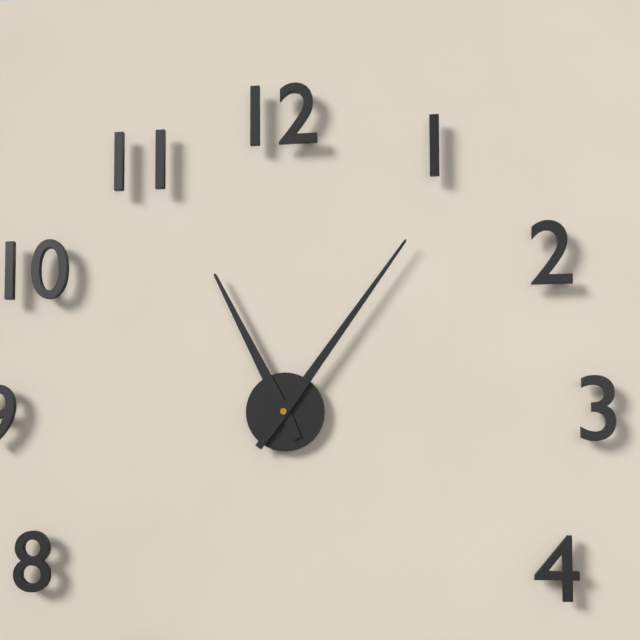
11.06
